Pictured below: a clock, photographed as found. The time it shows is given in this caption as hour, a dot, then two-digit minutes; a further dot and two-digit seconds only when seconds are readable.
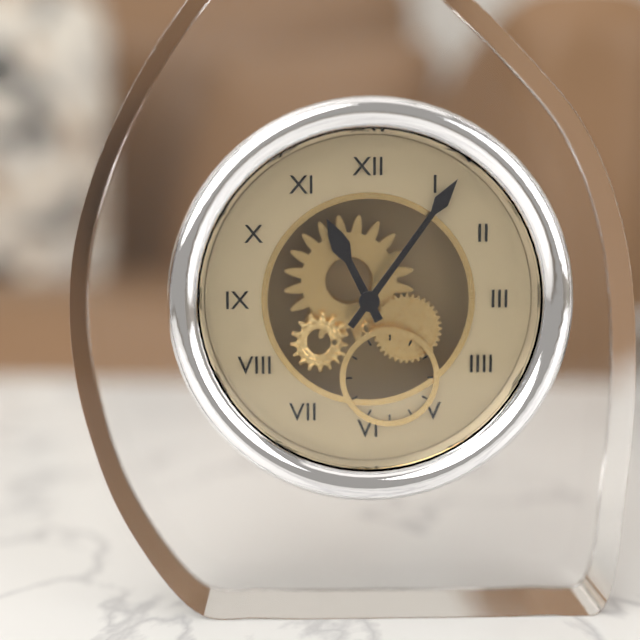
11.06
